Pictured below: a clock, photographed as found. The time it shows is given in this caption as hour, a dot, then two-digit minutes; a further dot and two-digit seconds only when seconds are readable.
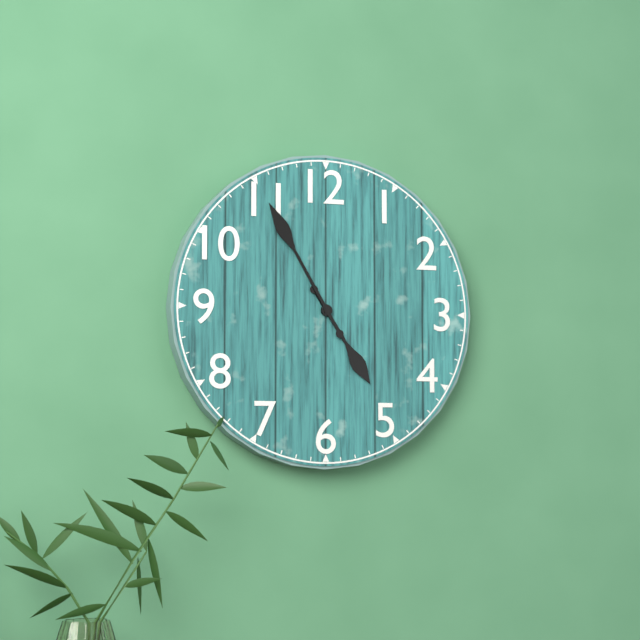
4.55
